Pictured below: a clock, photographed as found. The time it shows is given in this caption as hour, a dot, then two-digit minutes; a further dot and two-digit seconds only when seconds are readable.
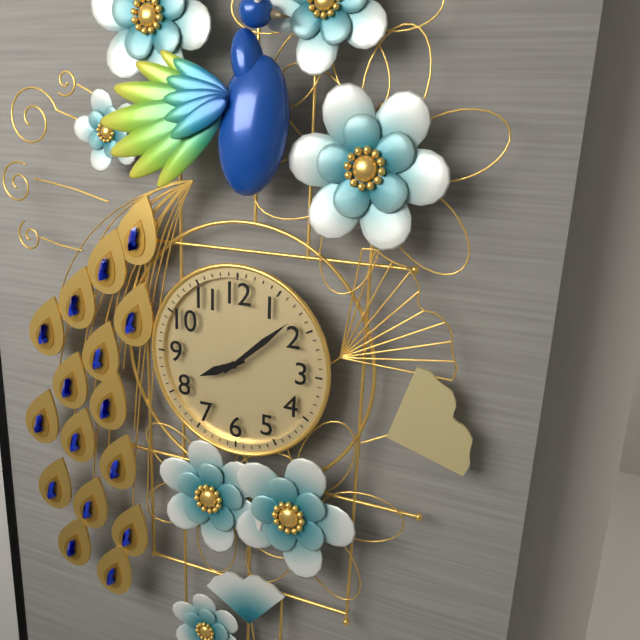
8.08
